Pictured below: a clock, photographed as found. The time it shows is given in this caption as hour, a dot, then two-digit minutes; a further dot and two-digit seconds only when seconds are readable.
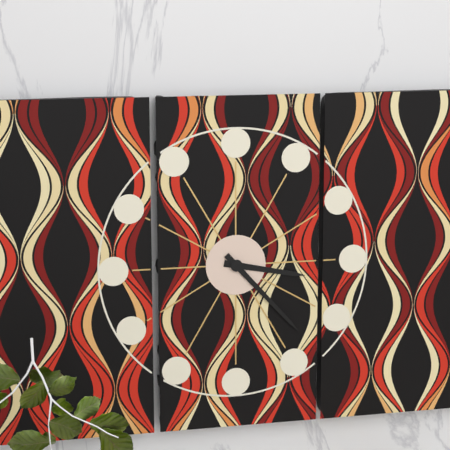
3.23
